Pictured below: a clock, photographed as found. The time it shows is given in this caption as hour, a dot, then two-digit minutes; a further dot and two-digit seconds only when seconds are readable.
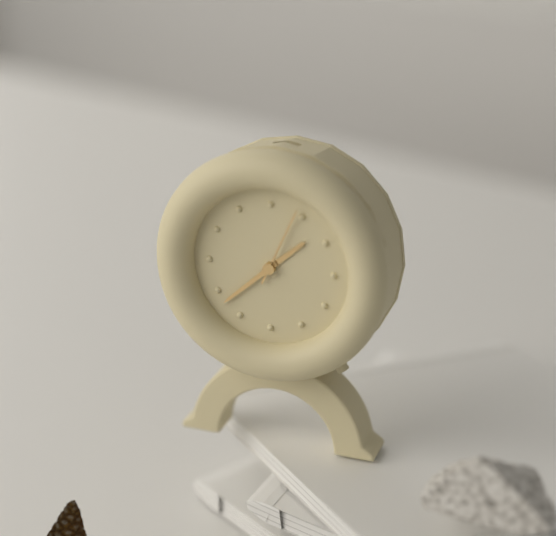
1.38.04
